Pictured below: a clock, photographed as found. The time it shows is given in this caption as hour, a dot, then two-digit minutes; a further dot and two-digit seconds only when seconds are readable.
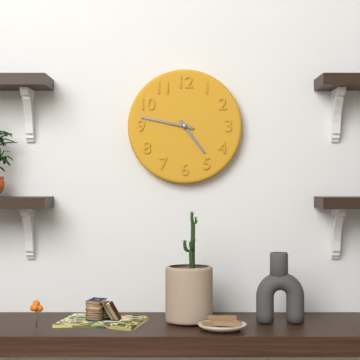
4.47
